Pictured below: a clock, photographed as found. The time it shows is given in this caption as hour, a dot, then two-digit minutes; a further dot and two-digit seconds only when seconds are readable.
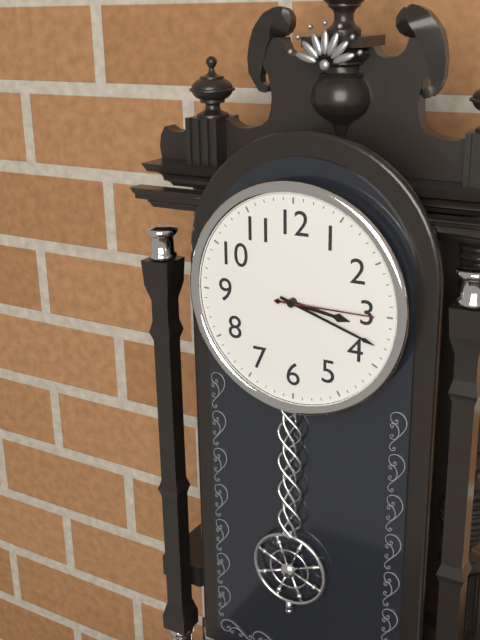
3.18.15
